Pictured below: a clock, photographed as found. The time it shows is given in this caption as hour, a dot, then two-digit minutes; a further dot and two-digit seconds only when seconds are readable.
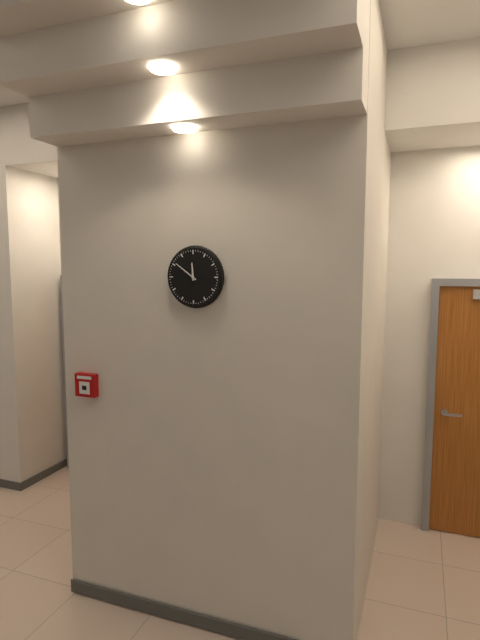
11.51
